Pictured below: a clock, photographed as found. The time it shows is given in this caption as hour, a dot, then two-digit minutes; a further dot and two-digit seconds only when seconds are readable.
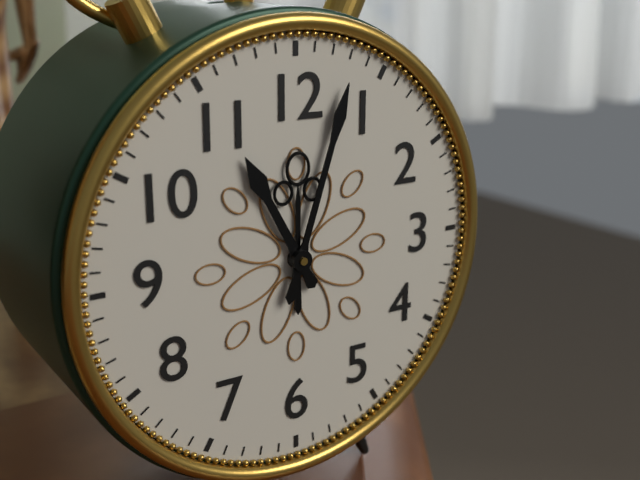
11.03
